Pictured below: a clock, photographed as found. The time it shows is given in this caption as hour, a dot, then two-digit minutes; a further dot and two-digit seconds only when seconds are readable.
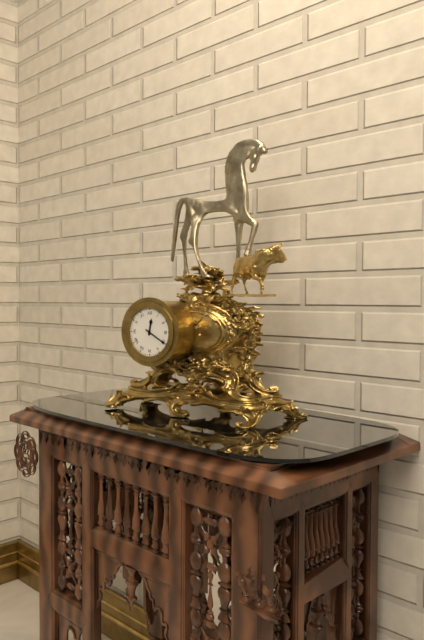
12.20
